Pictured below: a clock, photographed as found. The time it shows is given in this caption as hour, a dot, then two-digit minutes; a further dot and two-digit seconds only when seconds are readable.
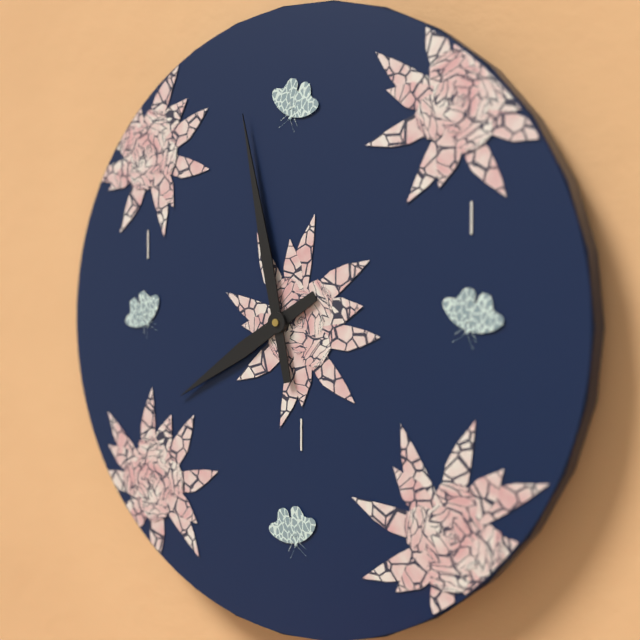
7.58
